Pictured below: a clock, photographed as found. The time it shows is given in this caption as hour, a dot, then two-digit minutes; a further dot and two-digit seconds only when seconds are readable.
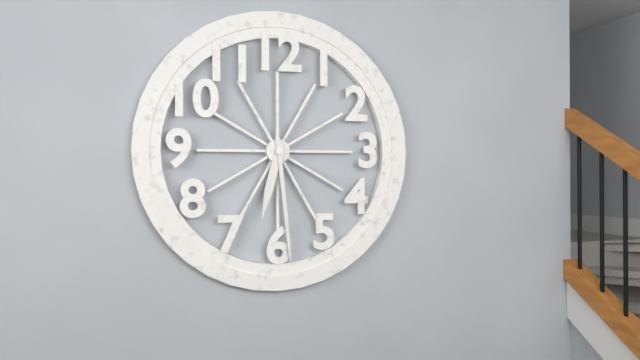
6.29
